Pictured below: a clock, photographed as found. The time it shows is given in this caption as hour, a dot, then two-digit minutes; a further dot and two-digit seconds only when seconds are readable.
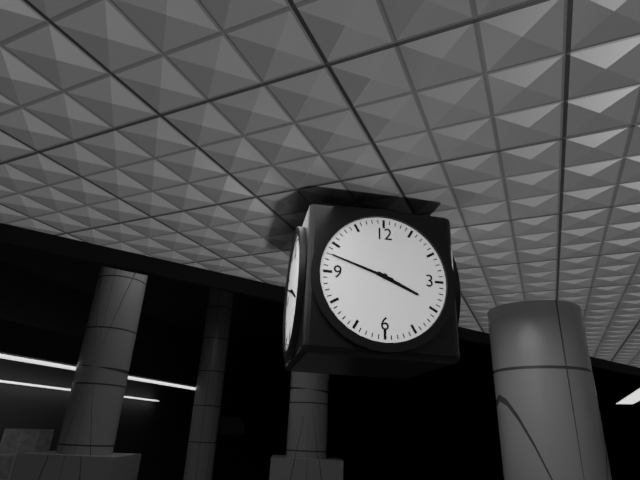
3.48
